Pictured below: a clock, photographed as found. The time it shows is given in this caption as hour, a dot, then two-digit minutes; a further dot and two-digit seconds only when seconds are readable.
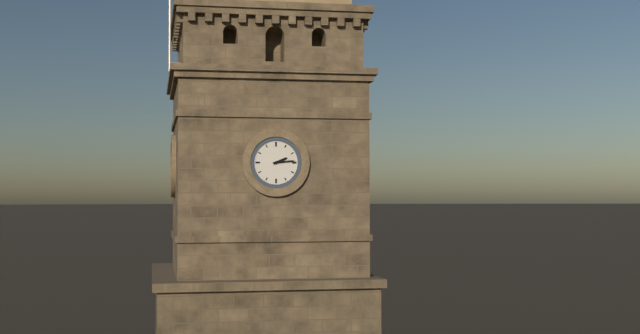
2.14
